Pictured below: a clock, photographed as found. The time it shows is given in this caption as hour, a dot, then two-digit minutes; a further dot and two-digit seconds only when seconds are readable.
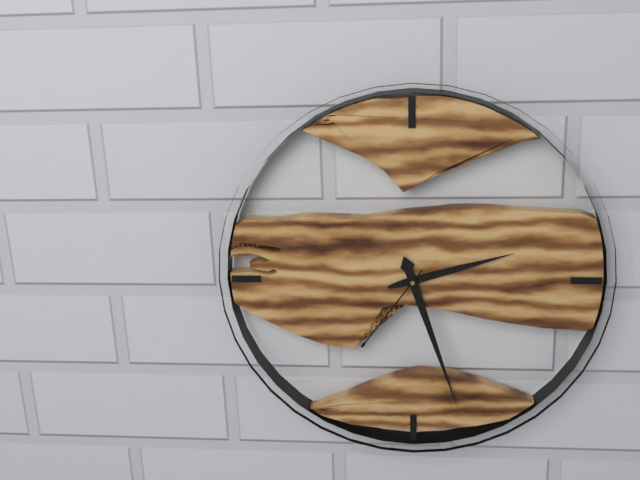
2.27.36
